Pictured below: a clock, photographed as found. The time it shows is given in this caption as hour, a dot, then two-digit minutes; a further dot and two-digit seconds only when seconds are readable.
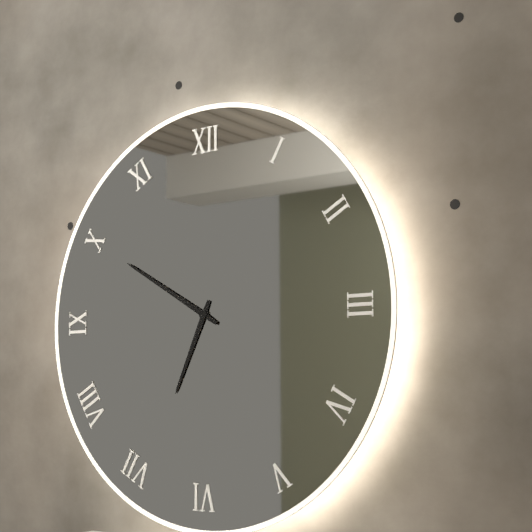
6.50
